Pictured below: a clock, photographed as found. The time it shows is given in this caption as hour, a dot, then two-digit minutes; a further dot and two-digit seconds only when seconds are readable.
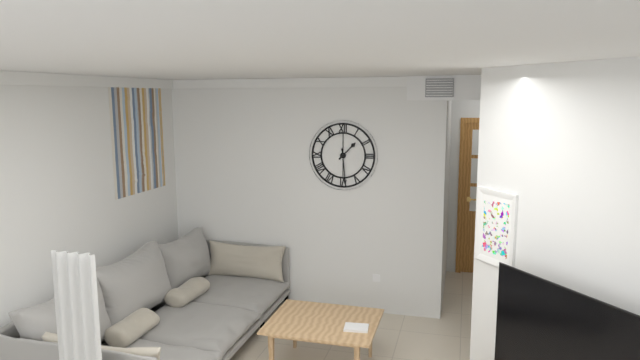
1.29
